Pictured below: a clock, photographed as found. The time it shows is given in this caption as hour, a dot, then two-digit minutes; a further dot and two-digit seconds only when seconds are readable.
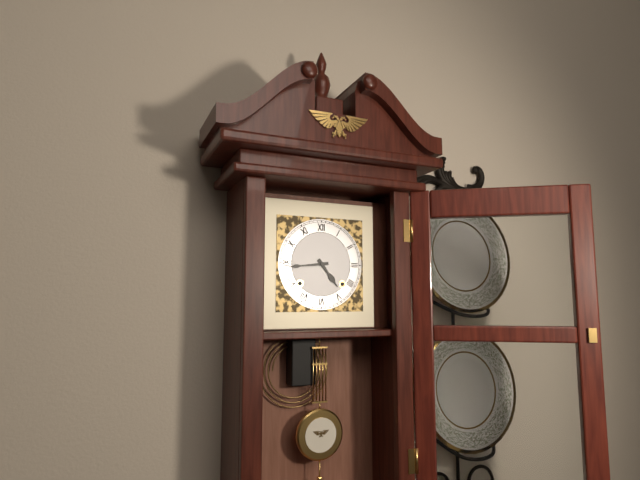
4.44
